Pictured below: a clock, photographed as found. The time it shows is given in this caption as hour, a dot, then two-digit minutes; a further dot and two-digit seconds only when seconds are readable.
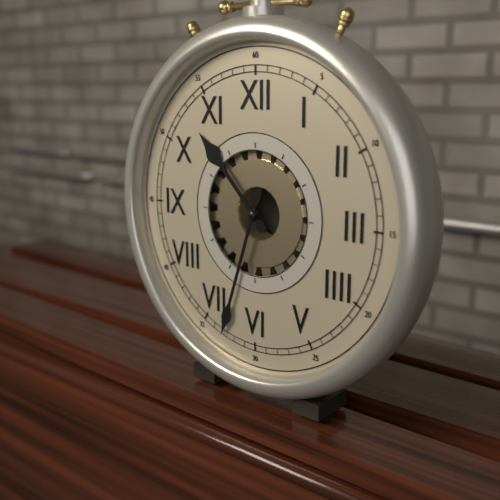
10.33
